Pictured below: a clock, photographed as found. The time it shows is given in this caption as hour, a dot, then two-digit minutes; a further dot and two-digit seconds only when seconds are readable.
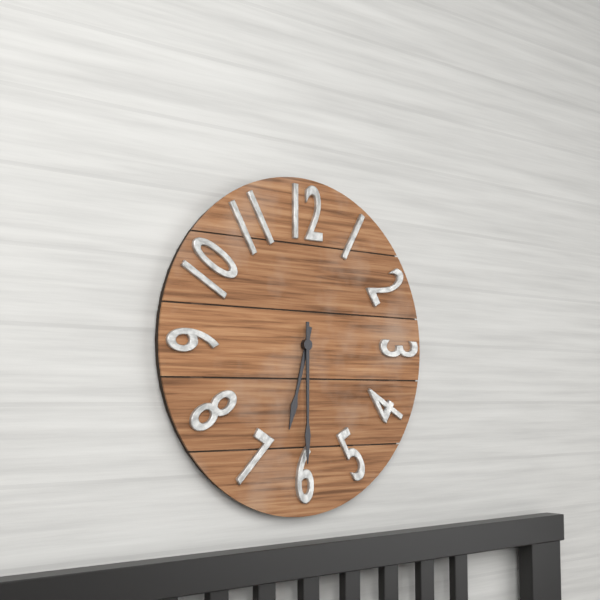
6.30
